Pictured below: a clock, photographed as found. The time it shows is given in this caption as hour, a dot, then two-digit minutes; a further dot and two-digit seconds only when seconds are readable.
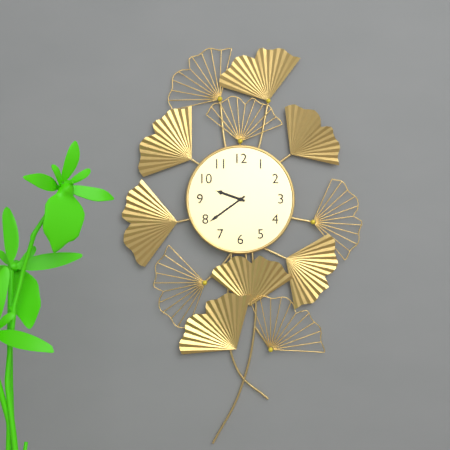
9.39
